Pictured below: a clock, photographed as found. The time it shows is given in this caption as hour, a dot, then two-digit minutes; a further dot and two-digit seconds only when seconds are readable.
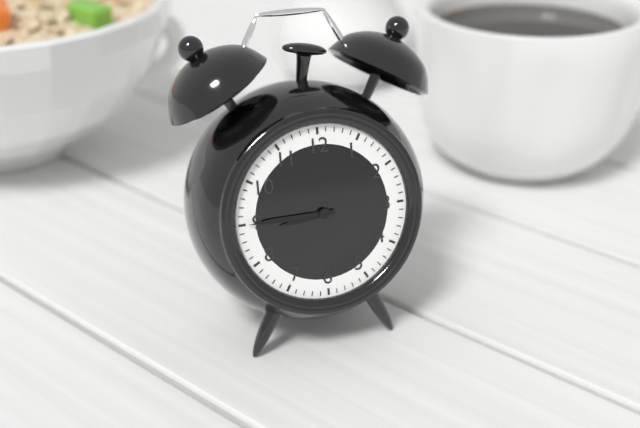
8.45
